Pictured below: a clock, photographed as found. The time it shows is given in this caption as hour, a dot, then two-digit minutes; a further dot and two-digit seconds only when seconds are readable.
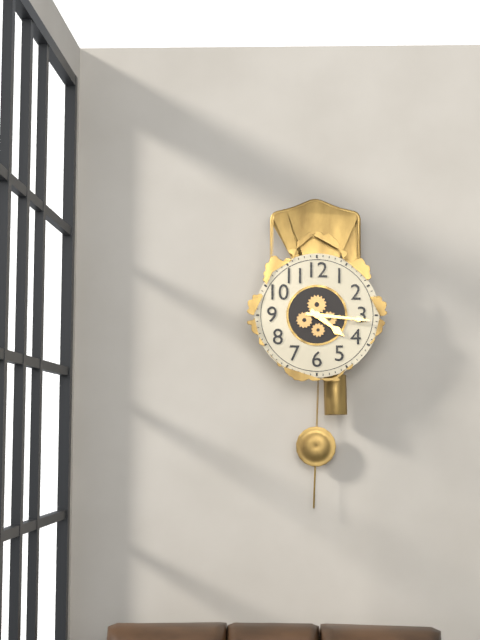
4.16
